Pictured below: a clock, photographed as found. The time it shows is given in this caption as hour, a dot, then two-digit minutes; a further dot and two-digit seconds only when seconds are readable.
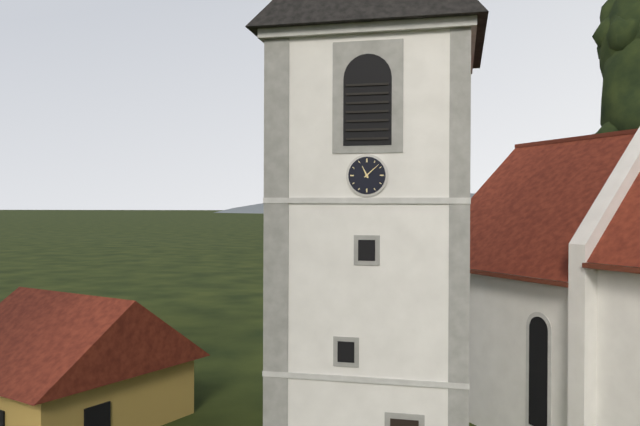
11.08
